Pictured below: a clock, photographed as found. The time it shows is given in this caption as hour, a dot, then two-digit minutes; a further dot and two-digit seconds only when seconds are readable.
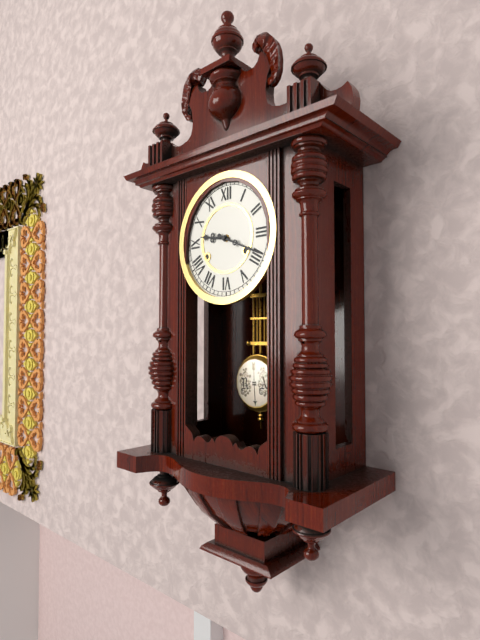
9.19
